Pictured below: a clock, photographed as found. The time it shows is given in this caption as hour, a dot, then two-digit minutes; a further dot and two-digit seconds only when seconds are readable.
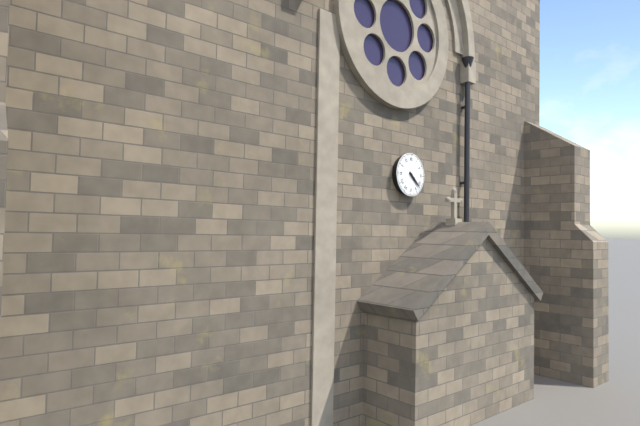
4.22
